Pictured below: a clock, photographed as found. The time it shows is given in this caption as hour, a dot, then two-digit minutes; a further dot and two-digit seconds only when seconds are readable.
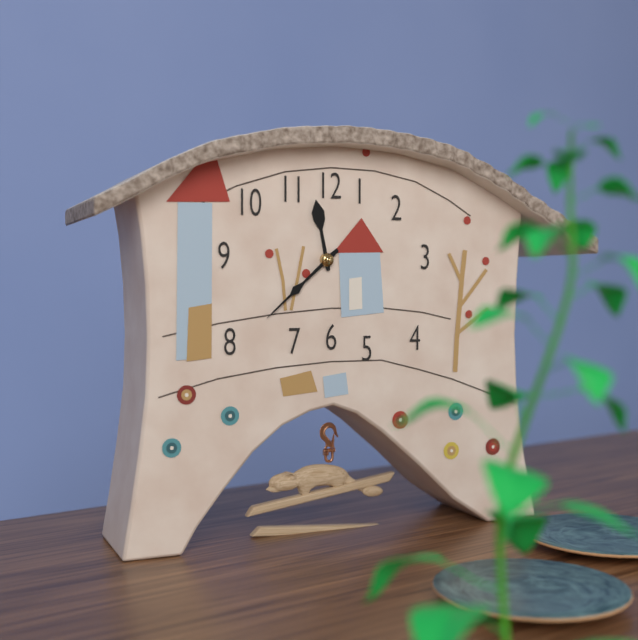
11.38
